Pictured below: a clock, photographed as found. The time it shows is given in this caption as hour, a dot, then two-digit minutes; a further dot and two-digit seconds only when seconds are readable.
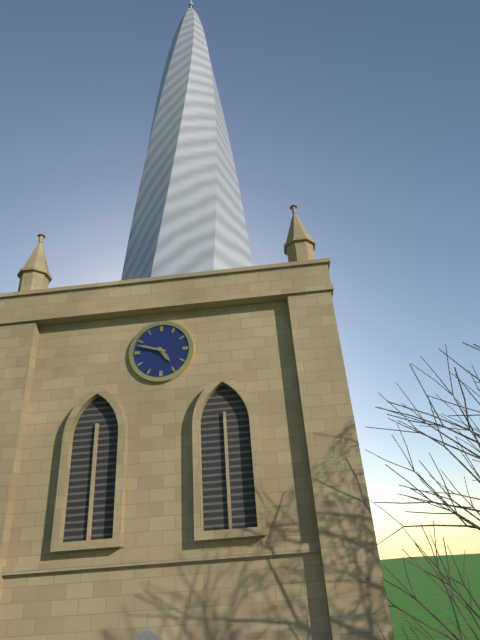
4.48
